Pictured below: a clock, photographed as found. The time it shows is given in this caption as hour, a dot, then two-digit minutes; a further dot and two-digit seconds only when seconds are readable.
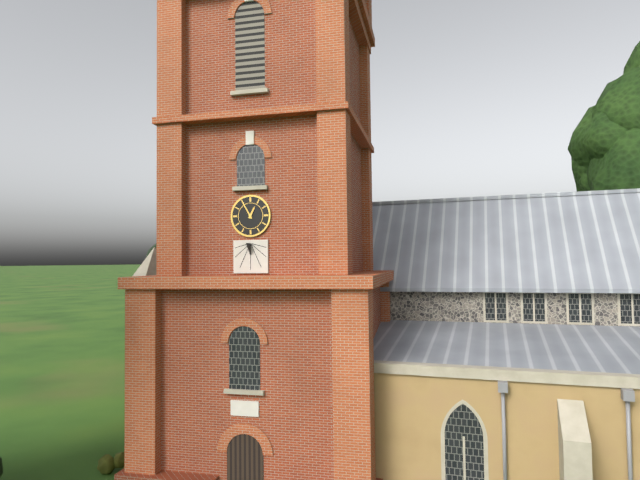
12.55
